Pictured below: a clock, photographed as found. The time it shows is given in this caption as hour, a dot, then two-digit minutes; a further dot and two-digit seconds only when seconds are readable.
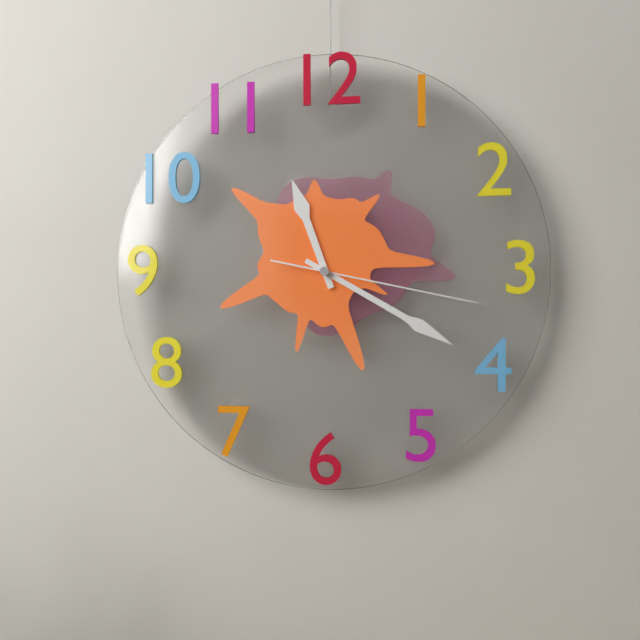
11.20.17
